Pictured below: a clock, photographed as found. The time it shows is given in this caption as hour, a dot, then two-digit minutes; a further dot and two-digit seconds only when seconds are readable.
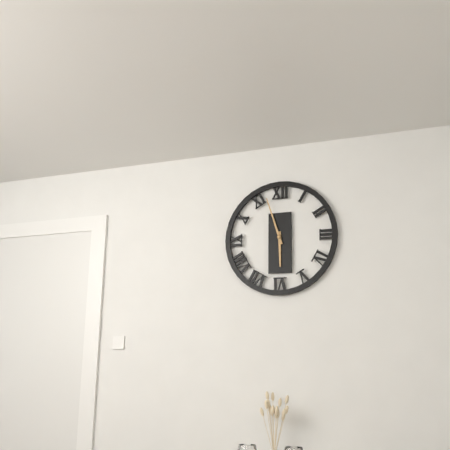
5.57
